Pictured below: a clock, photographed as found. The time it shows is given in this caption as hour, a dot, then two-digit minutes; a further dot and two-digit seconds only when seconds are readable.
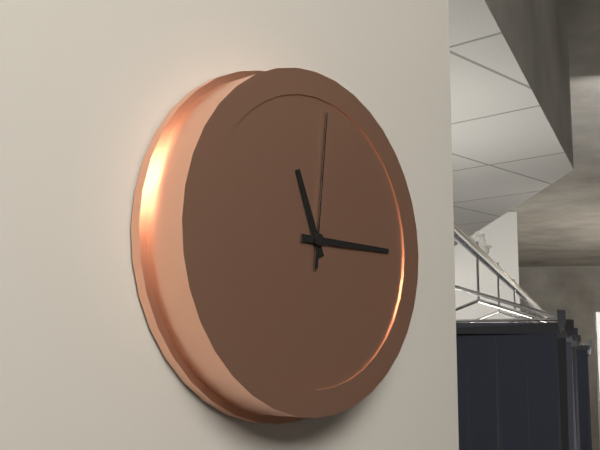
11.15.01
